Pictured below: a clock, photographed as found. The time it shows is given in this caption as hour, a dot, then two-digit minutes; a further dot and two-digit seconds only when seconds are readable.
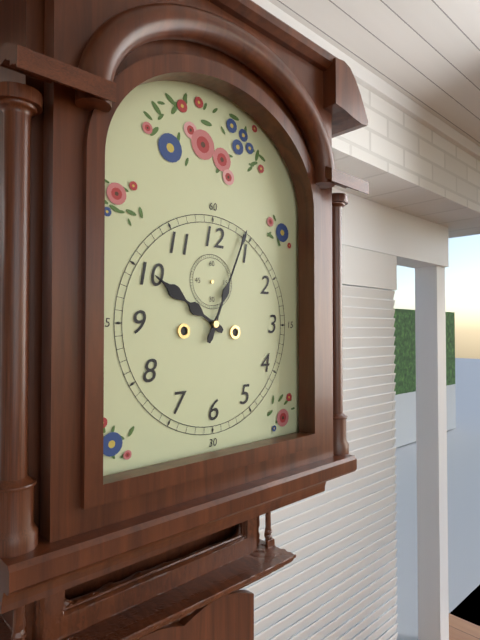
10.04
